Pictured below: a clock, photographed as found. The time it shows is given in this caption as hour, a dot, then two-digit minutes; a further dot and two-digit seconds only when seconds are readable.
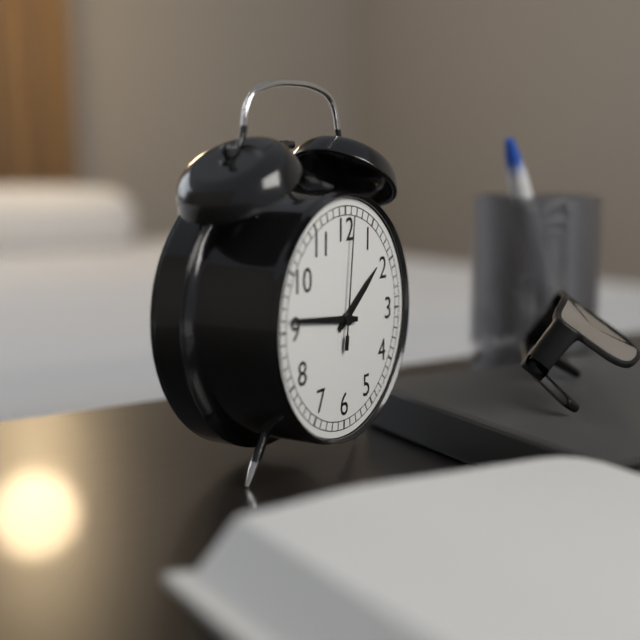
1.46.01
